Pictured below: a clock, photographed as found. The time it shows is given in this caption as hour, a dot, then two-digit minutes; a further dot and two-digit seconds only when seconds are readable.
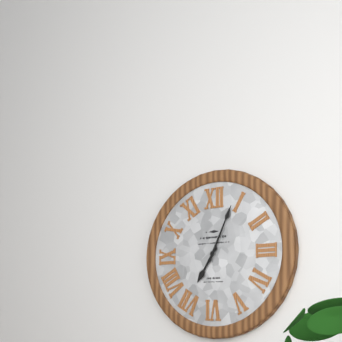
7.04
